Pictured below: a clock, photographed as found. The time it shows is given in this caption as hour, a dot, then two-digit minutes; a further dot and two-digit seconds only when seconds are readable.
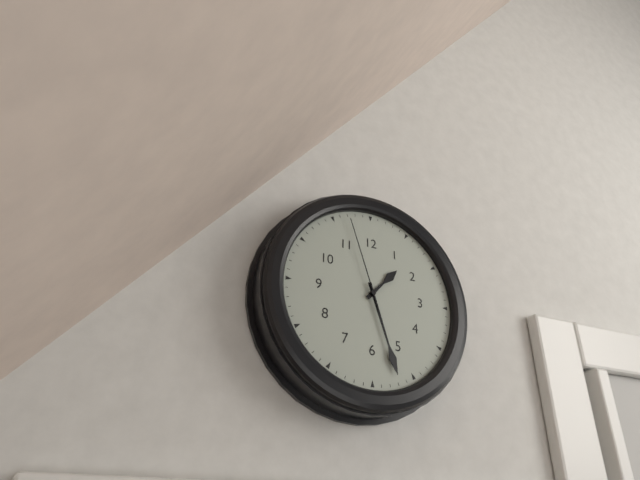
1.27.57
